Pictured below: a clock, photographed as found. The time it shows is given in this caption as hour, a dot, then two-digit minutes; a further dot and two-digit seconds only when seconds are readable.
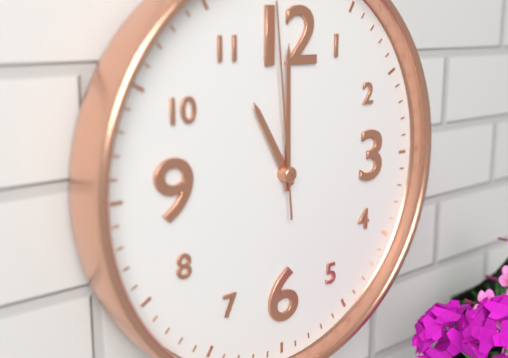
11.00.59
